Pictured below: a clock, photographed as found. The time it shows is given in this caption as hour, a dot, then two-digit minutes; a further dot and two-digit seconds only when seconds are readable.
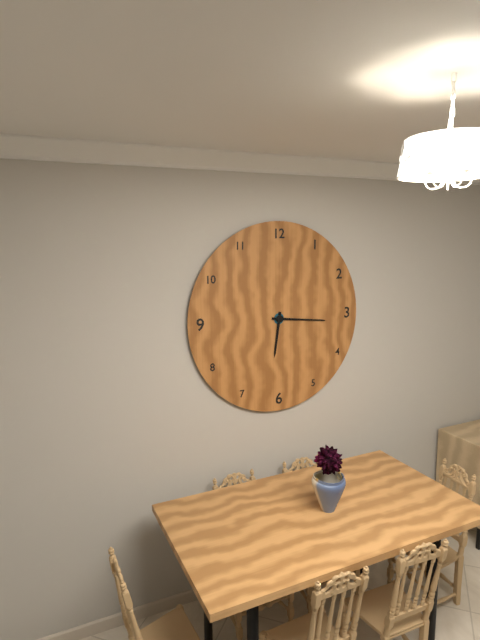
6.16
